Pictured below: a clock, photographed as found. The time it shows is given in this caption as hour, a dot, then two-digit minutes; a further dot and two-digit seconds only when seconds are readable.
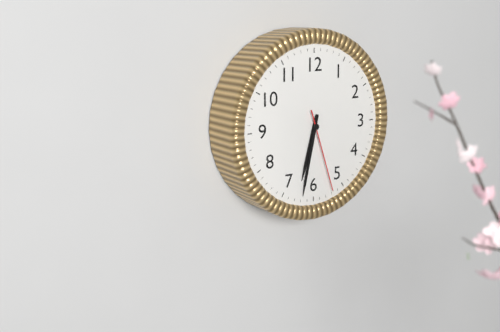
6.32.27
